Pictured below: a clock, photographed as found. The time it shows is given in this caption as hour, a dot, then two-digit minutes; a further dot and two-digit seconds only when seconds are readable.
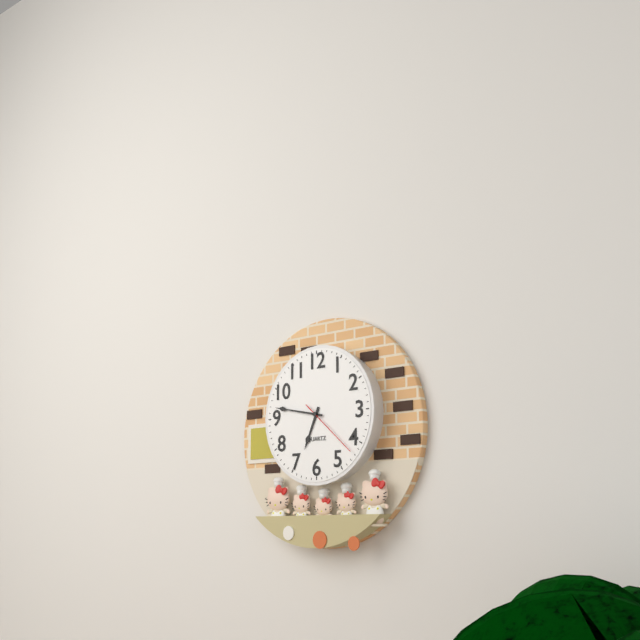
6.47.22
